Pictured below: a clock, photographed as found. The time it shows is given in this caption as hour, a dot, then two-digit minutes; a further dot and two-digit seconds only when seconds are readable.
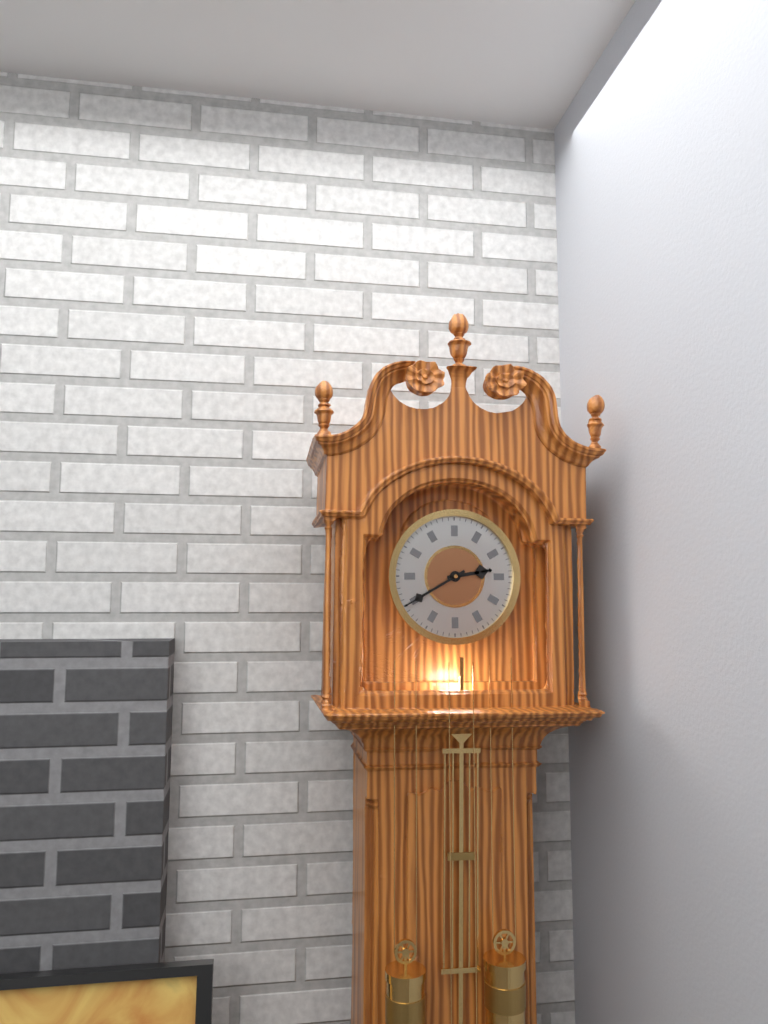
2.40
